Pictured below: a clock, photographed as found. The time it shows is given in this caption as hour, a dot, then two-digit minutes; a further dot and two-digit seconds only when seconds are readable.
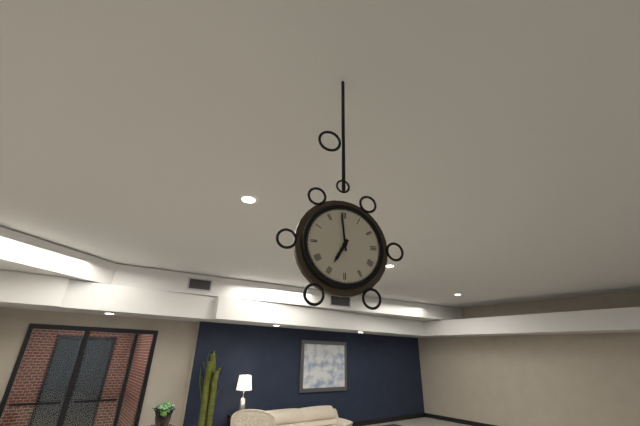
6.59
